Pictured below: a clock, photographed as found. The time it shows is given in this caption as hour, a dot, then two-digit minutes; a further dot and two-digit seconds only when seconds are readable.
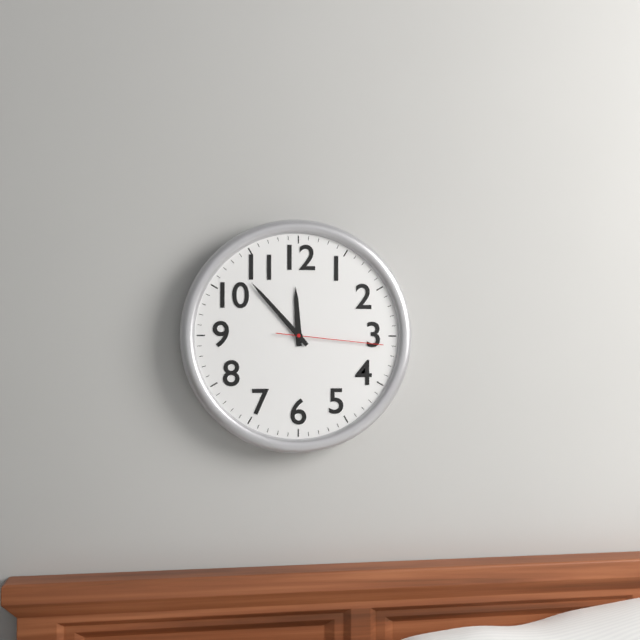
11.53.16
